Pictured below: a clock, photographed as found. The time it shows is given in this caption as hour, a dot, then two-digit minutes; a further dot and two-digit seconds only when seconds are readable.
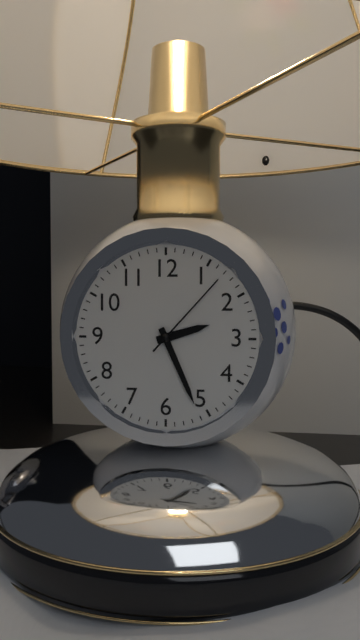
2.26.07
